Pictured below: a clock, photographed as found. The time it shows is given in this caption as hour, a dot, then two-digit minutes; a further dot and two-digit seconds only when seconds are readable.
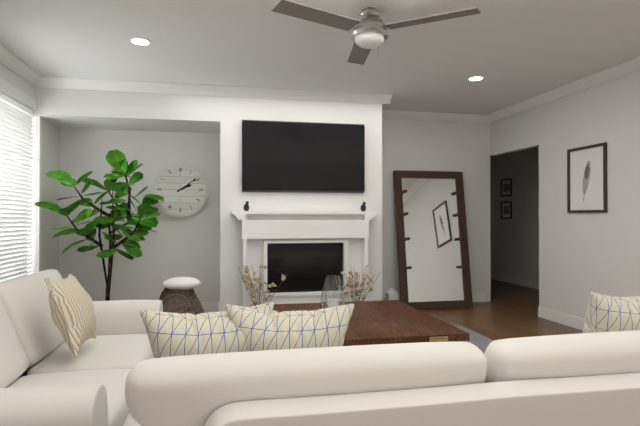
2.09
